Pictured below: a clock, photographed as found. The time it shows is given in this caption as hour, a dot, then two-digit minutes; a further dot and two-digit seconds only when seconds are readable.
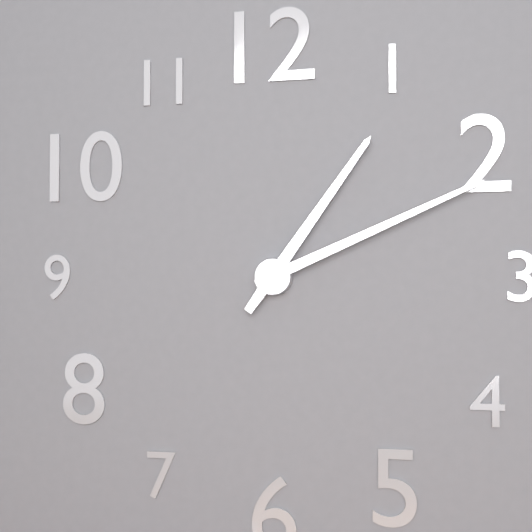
1.11
